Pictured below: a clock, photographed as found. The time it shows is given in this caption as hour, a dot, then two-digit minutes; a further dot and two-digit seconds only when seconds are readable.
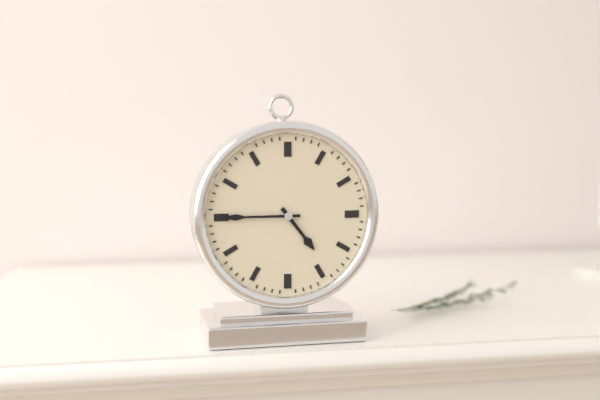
4.45
